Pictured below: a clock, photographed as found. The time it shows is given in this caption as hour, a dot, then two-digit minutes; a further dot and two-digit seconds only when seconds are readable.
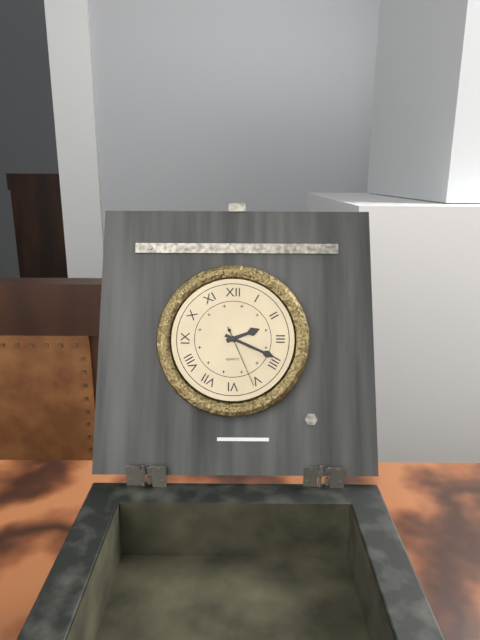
2.19.26
